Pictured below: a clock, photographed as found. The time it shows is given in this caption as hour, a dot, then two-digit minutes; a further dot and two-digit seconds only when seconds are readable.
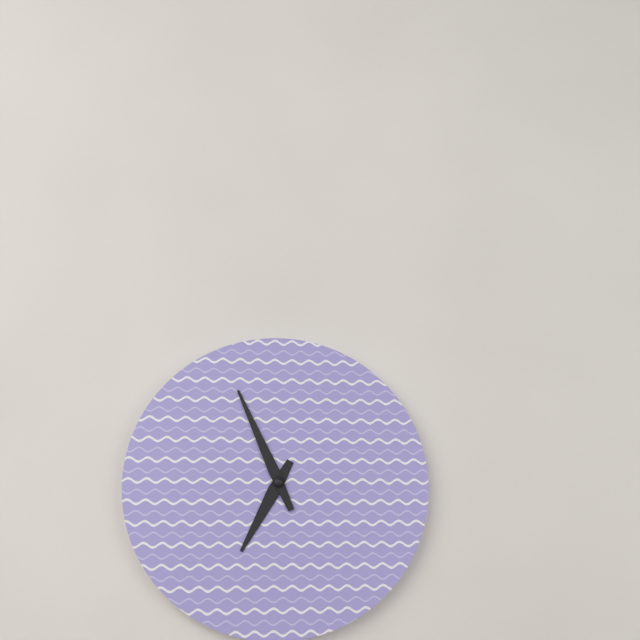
6.56
